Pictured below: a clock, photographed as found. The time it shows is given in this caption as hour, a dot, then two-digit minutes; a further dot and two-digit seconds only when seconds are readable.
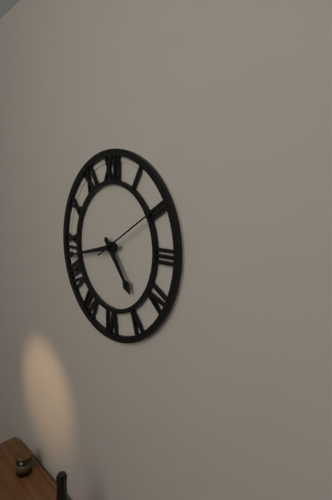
4.43.10
